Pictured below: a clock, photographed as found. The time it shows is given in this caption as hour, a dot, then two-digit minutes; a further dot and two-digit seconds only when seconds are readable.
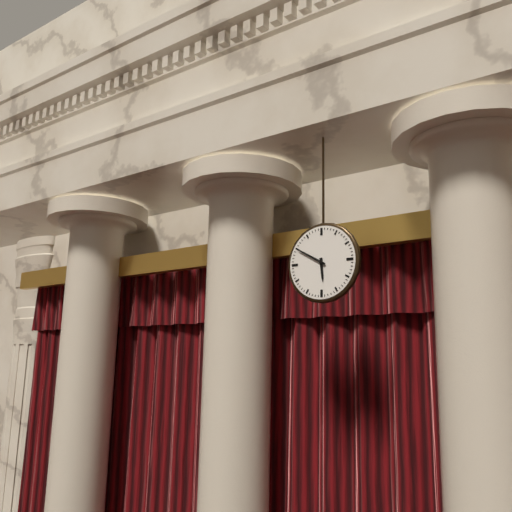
5.50
